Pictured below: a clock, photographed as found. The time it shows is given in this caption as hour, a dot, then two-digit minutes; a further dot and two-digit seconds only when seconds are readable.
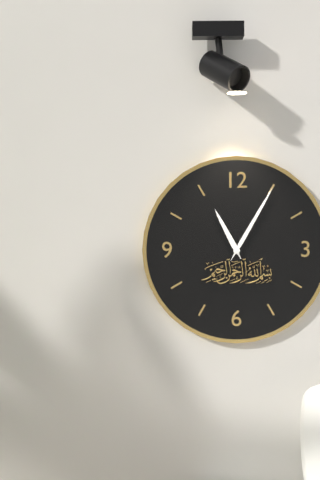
11.05
